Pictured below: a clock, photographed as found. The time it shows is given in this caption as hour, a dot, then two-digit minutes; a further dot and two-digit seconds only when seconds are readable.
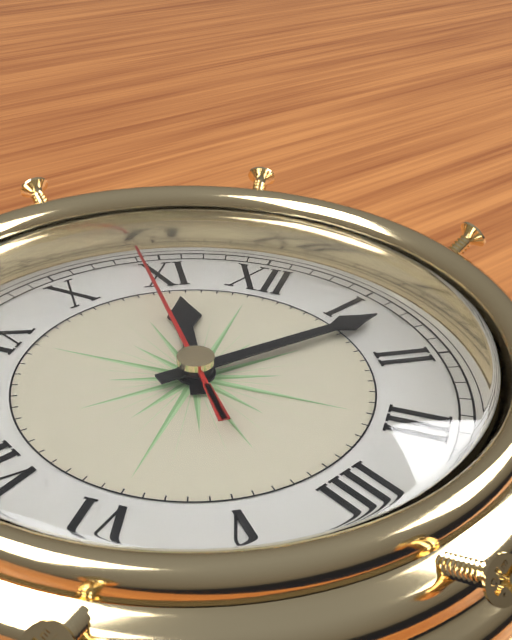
11.07.54
